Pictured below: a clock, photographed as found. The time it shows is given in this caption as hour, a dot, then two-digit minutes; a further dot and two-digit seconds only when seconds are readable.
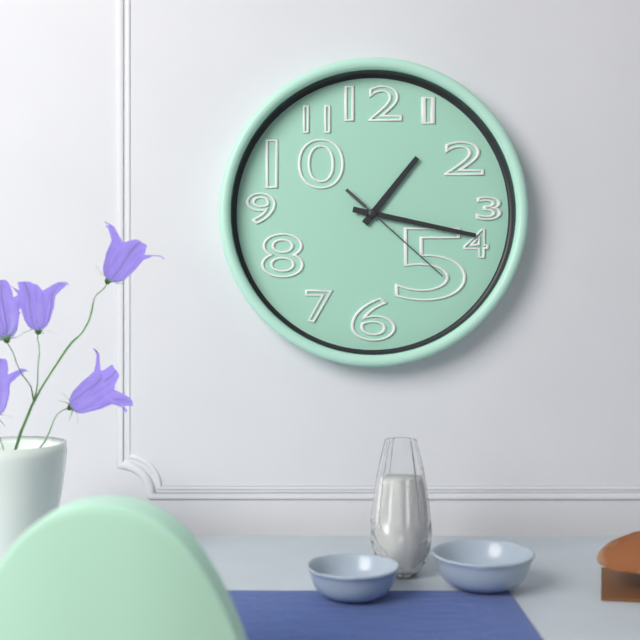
1.17.22
